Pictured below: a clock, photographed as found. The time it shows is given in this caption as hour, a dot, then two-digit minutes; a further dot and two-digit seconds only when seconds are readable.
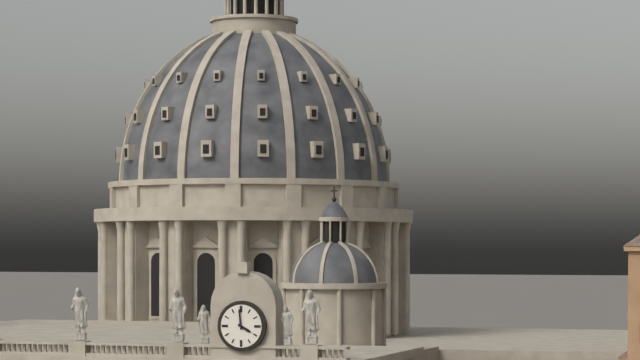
3.59
